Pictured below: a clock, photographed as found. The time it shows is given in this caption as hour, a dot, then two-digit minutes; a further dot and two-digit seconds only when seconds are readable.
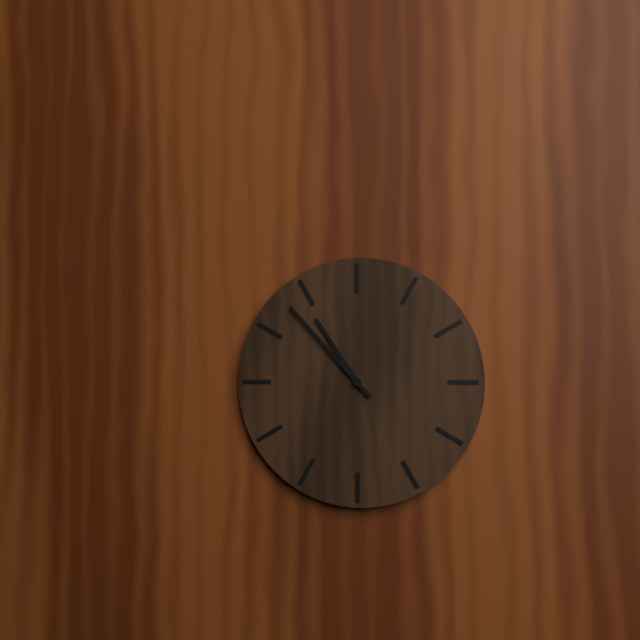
10.53
